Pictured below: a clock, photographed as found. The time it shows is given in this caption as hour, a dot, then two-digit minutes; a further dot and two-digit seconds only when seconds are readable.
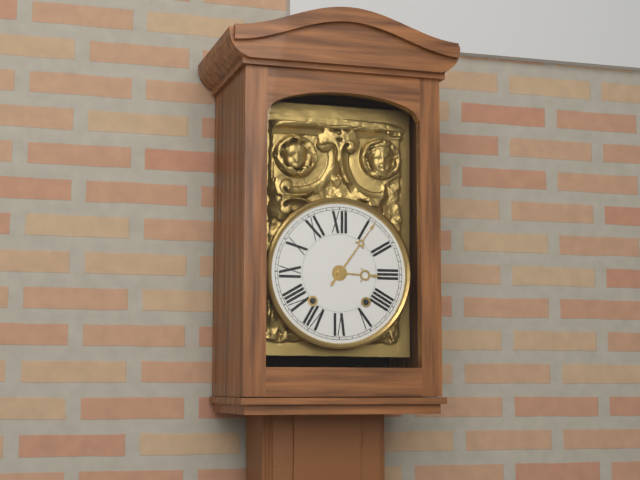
3.06
